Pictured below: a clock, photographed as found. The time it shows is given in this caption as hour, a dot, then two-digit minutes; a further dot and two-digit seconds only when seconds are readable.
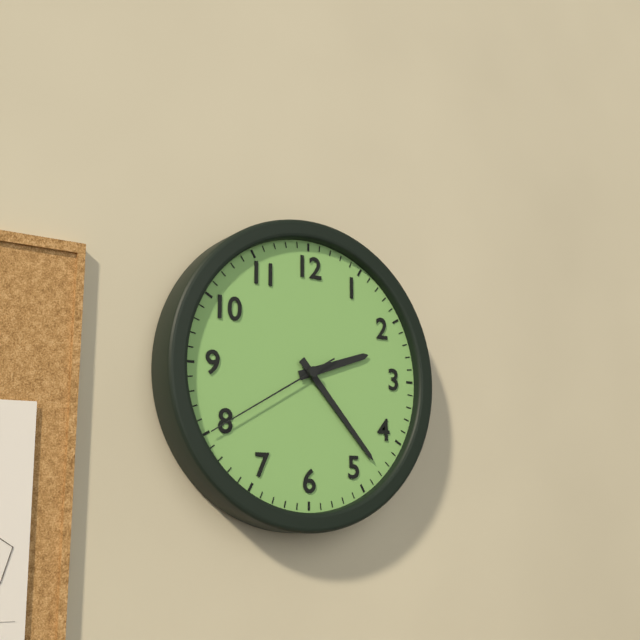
2.23.40
